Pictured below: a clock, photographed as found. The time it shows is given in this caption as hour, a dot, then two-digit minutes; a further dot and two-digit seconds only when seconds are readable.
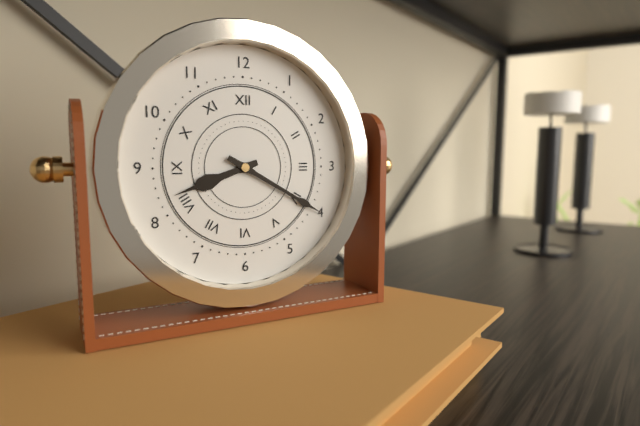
8.20
